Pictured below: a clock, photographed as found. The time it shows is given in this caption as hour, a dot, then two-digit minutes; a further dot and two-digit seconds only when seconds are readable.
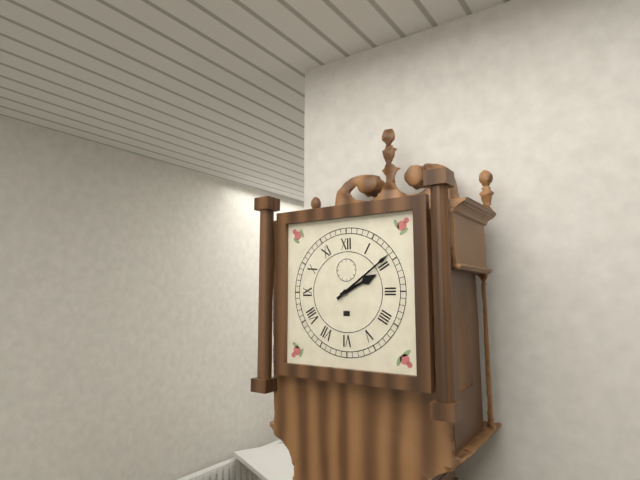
2.09
